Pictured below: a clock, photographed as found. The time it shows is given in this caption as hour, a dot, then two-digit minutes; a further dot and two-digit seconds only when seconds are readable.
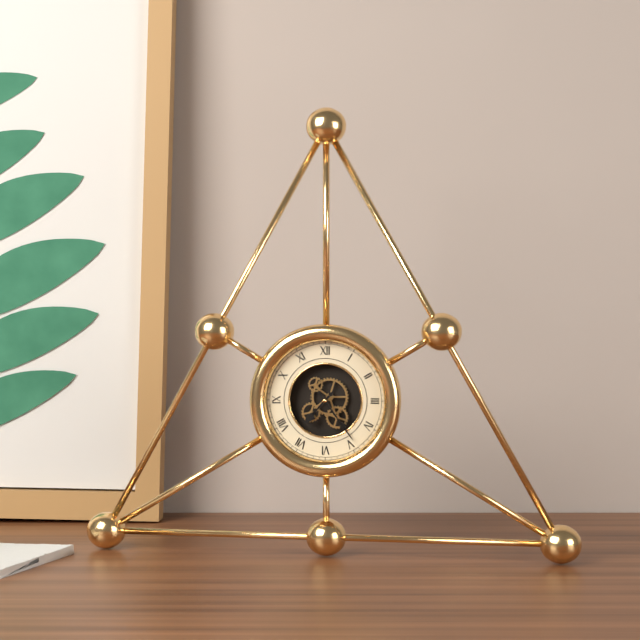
7.24
